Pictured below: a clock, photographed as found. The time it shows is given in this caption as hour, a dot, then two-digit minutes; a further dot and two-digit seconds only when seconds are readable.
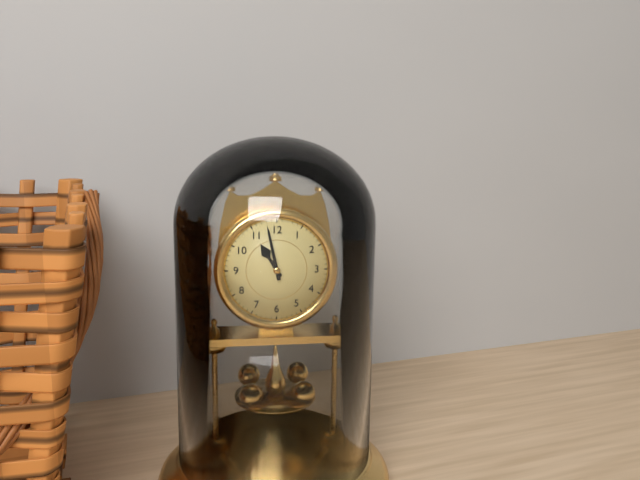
10.58
